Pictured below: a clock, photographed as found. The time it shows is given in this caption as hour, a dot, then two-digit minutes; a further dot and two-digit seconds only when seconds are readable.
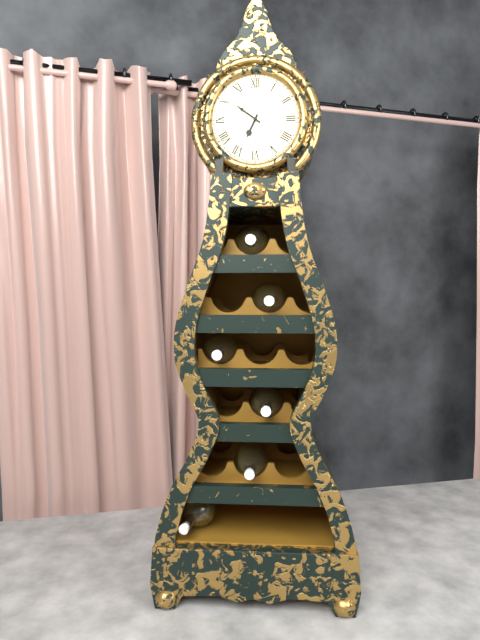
6.51
